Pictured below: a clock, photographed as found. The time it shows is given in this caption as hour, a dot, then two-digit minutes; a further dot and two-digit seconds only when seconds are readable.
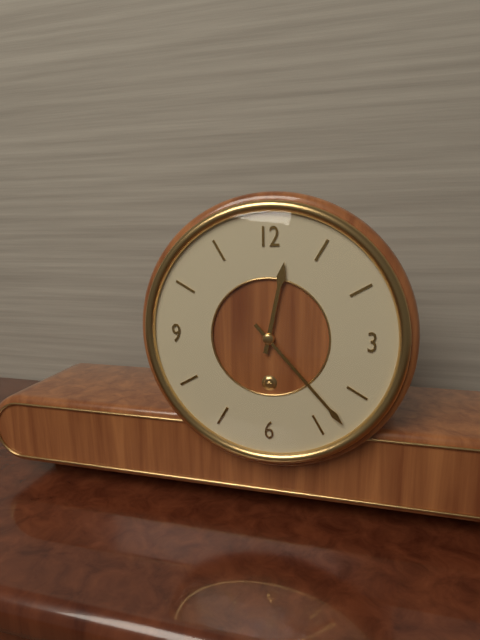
12.23
